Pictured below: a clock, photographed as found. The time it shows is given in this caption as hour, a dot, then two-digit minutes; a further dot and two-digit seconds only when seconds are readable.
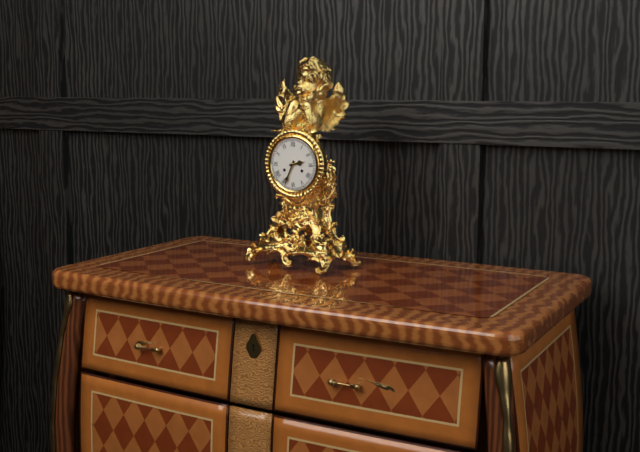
2.34
